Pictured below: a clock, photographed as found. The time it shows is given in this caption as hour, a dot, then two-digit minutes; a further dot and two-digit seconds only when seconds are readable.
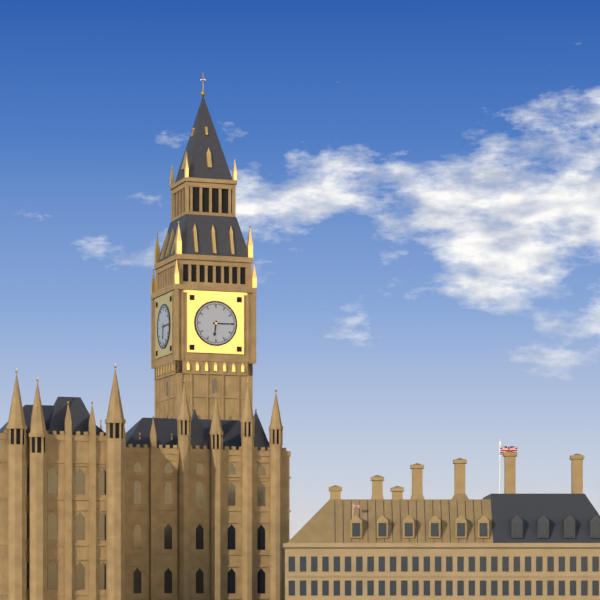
6.15
